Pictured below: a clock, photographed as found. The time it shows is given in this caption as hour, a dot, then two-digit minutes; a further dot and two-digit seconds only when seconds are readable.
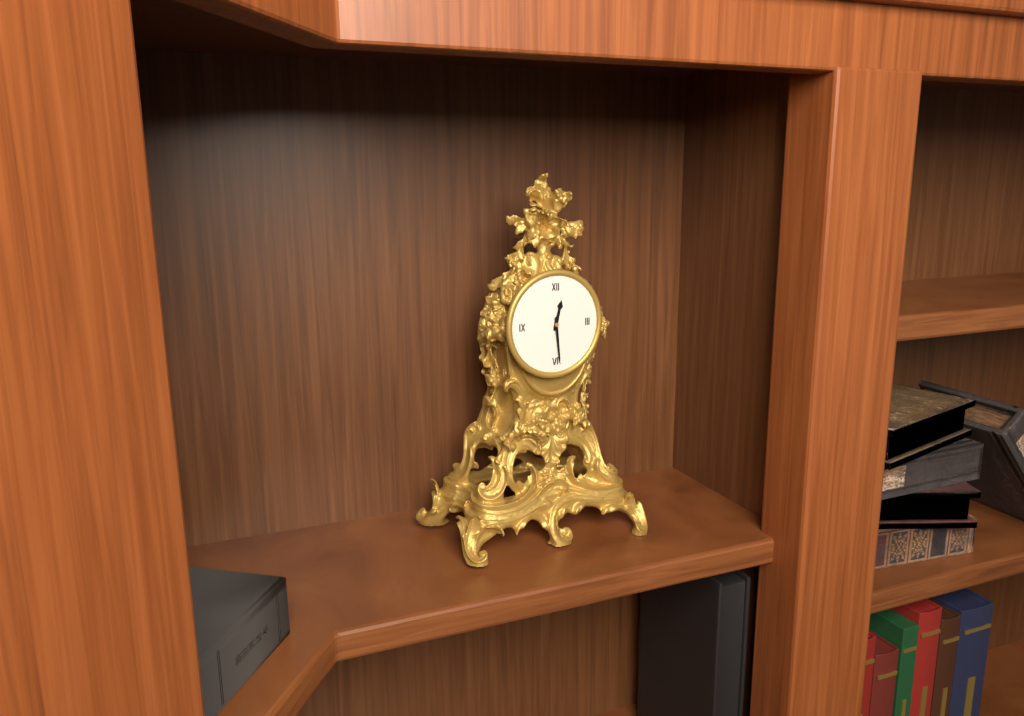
12.29
